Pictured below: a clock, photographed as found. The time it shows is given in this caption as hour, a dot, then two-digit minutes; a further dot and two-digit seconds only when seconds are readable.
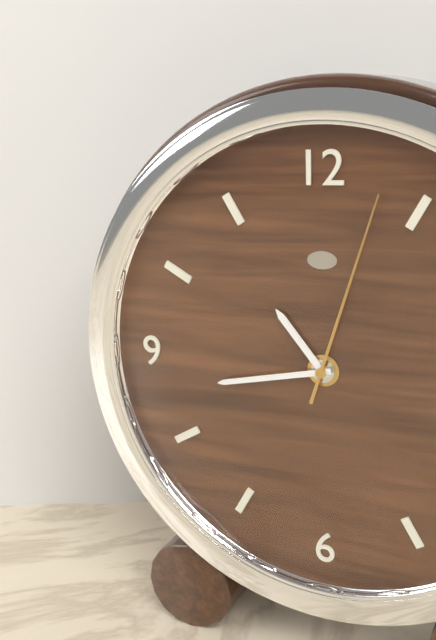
10.43.03
